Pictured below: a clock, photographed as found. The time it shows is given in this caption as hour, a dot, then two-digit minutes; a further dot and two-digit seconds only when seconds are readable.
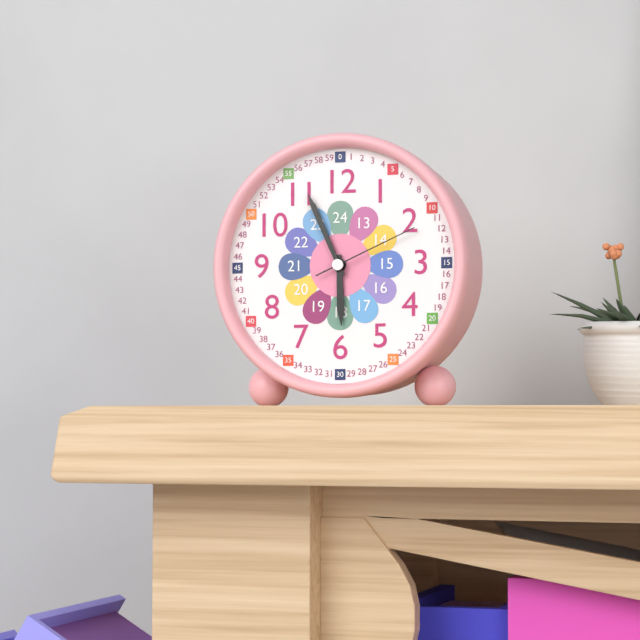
5.56.11
